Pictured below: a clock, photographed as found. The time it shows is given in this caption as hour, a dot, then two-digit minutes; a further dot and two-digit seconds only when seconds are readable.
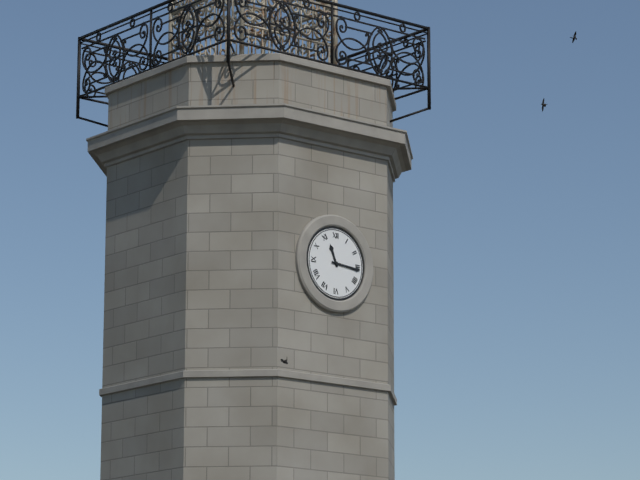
11.16
